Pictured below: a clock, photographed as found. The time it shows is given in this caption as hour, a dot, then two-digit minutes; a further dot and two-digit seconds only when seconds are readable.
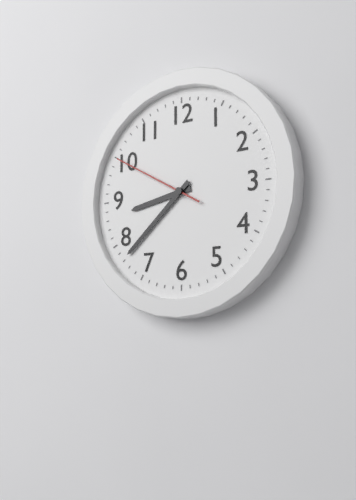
8.38.50
